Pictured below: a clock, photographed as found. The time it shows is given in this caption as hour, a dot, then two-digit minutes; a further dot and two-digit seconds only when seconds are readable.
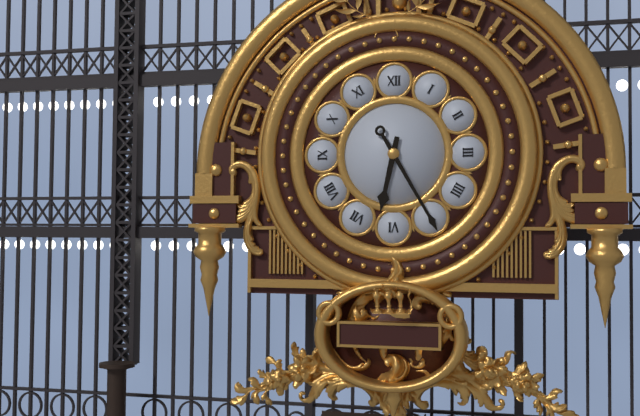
6.25
